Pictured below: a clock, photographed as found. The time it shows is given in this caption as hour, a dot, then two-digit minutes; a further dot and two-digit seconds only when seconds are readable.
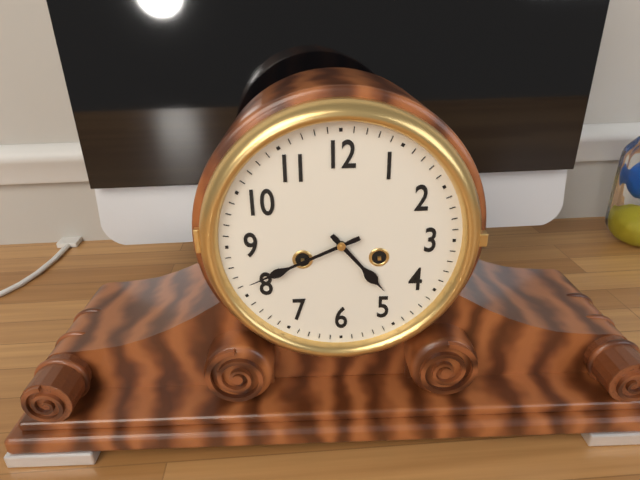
4.41
